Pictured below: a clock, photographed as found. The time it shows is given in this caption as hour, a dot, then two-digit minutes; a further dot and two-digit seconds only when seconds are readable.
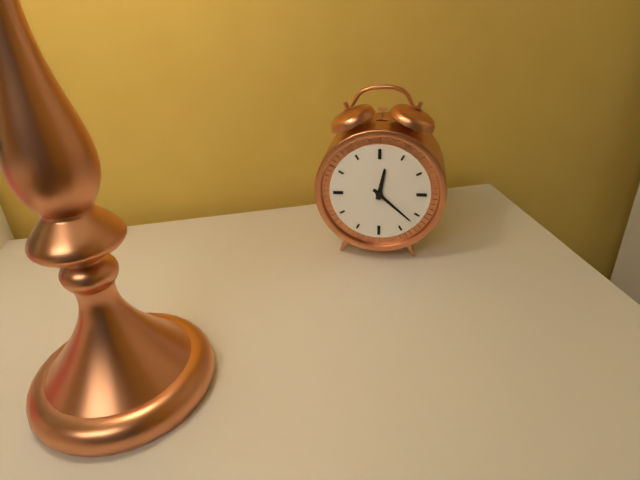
12.22
